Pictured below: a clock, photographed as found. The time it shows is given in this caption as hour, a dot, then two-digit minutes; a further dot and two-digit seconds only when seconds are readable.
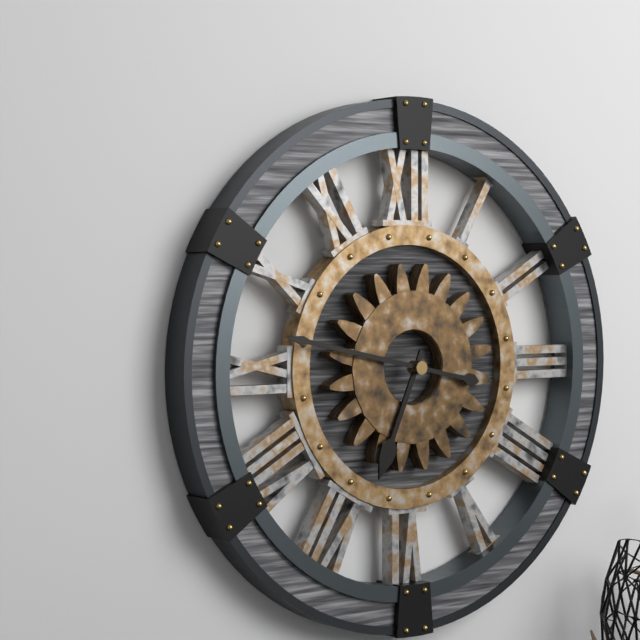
6.47
